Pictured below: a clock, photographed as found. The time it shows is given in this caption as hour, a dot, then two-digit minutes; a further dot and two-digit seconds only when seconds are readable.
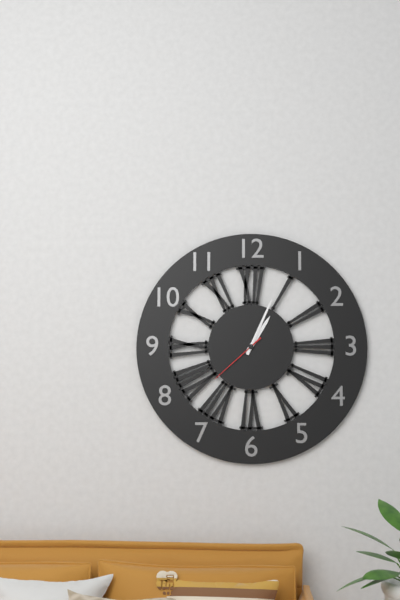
1.04.38
